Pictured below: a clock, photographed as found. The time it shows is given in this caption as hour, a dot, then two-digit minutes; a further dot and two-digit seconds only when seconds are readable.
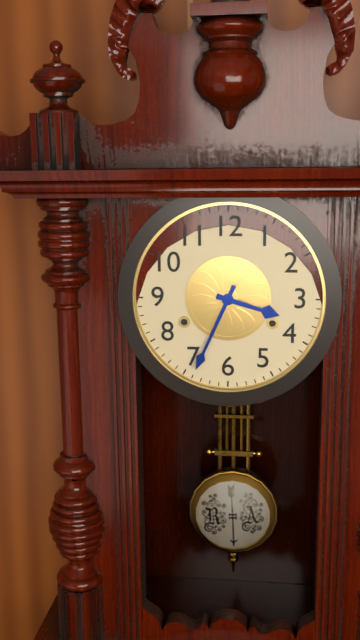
3.34
